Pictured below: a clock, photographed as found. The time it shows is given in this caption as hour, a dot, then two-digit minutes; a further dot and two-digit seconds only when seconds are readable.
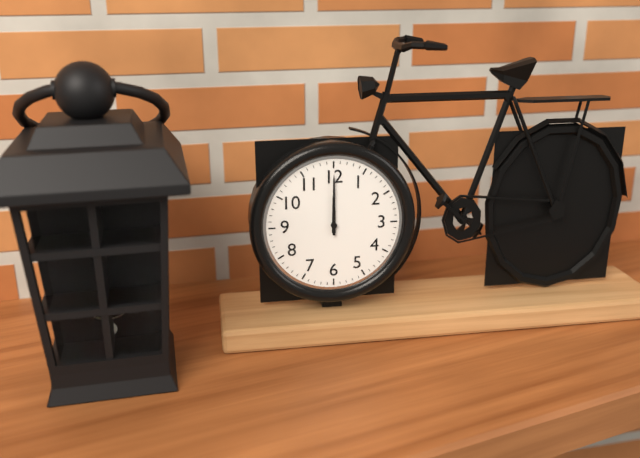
12.00
